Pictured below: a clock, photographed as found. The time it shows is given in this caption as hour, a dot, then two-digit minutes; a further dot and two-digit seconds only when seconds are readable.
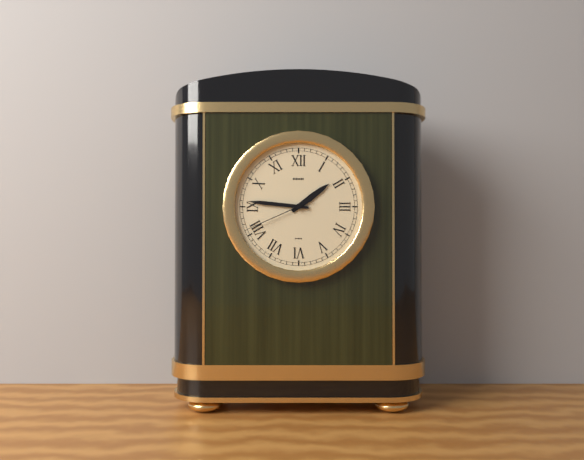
1.46.41
